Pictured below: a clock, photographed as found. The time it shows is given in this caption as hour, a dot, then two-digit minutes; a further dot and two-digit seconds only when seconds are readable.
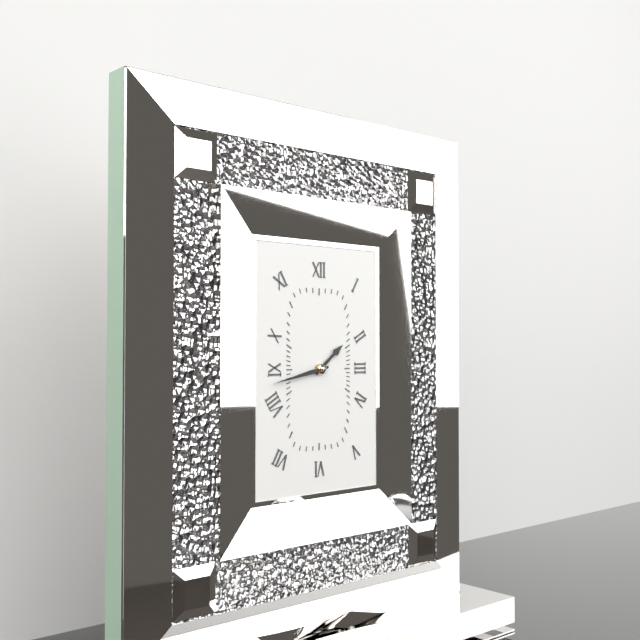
1.43
